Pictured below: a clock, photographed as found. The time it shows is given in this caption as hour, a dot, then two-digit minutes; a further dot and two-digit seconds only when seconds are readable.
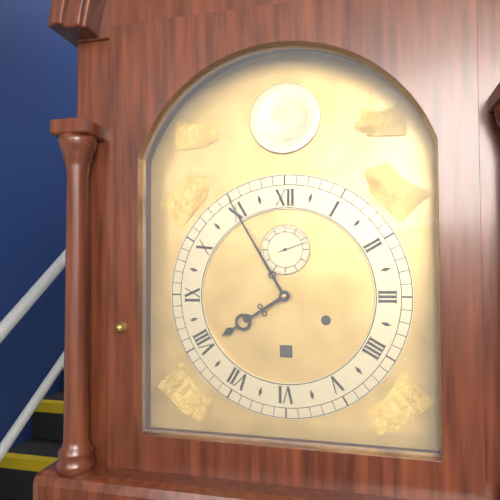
7.55
